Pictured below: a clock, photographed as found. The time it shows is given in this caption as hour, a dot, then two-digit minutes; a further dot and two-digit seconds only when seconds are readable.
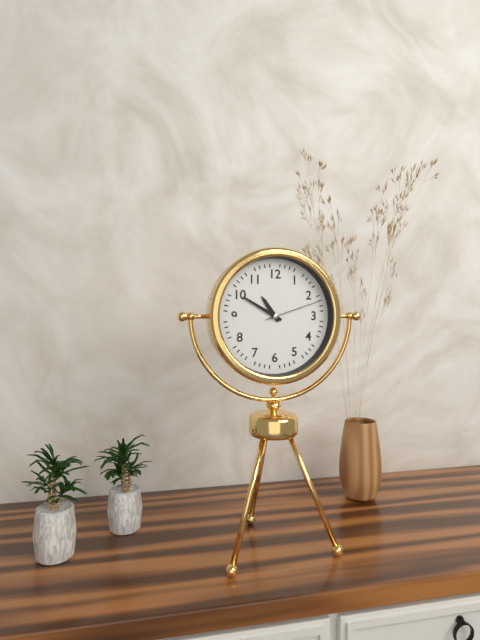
10.50.12
